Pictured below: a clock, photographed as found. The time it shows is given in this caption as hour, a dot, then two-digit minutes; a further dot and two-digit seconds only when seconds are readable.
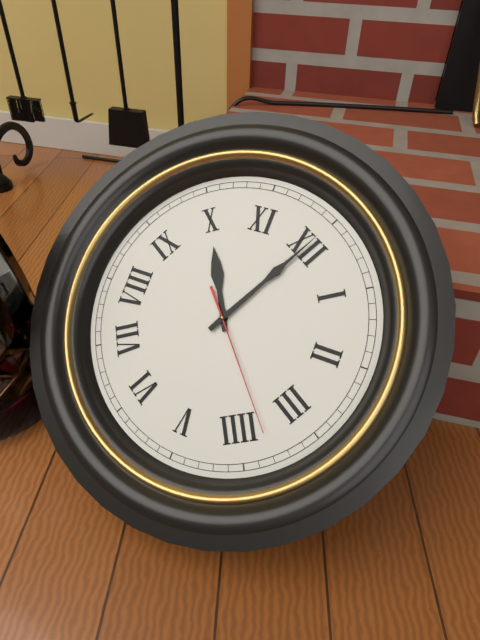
10.00.18
